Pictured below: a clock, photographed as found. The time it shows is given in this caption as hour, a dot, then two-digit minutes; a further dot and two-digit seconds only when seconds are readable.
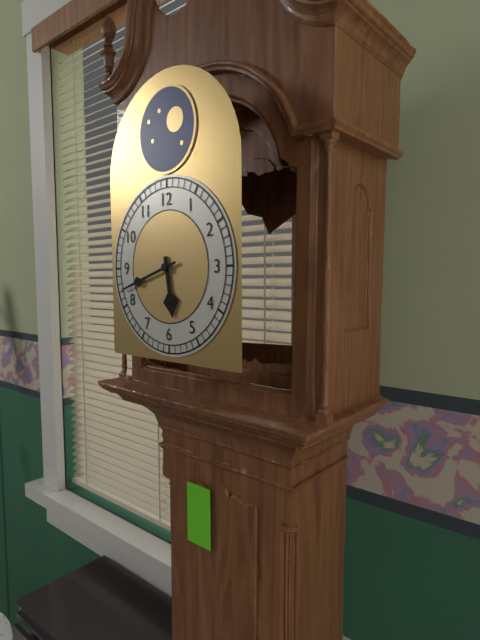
5.42
